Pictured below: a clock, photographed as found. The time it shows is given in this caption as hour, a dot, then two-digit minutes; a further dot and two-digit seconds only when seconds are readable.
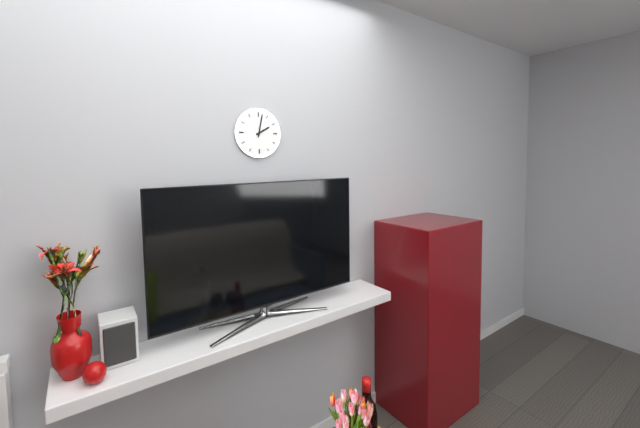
2.02
